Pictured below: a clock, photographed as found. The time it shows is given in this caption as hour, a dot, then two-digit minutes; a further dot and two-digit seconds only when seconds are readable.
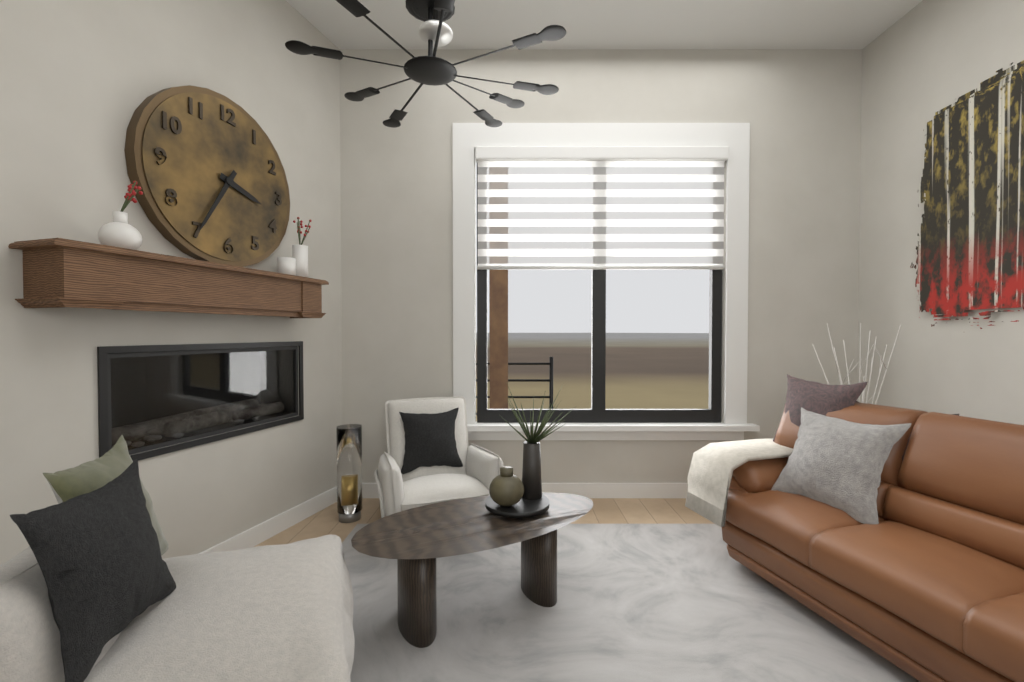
3.35
